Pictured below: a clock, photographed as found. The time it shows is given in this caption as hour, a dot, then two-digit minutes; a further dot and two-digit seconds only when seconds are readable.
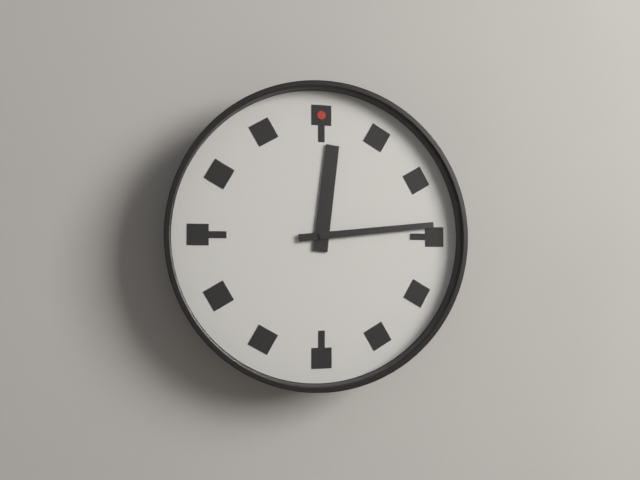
12.14
